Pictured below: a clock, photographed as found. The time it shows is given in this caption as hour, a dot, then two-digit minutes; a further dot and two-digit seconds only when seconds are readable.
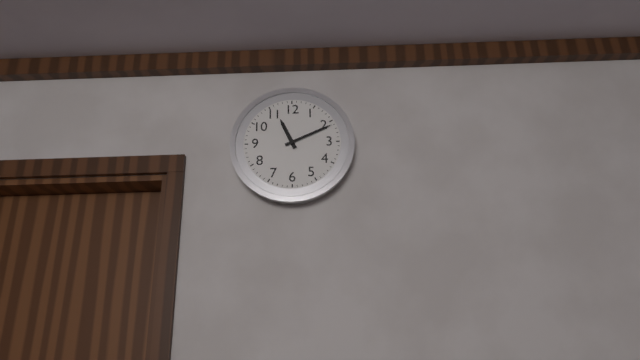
11.11
